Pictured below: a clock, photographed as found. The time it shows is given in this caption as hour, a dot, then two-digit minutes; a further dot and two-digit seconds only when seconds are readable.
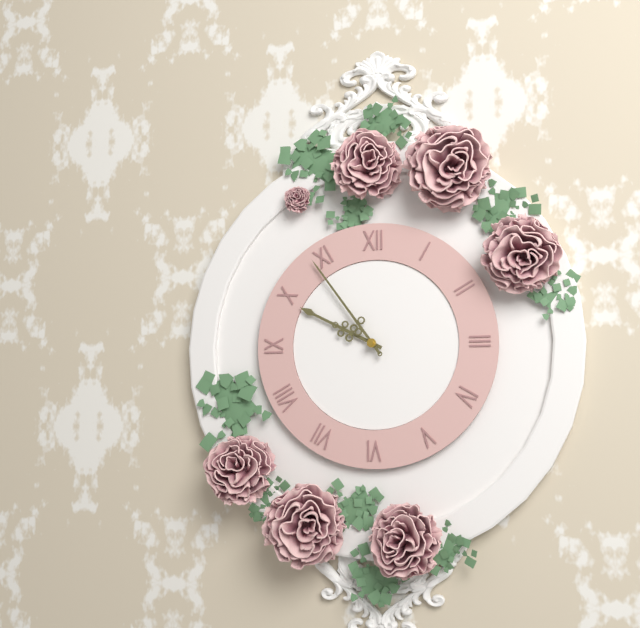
9.54
